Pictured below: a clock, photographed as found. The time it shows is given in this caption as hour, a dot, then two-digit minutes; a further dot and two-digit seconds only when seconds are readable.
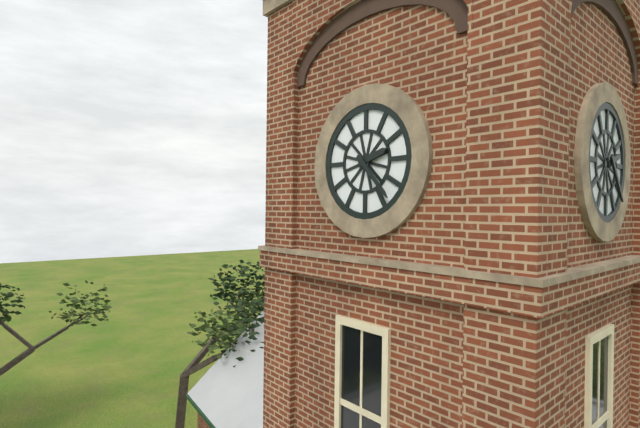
2.23
